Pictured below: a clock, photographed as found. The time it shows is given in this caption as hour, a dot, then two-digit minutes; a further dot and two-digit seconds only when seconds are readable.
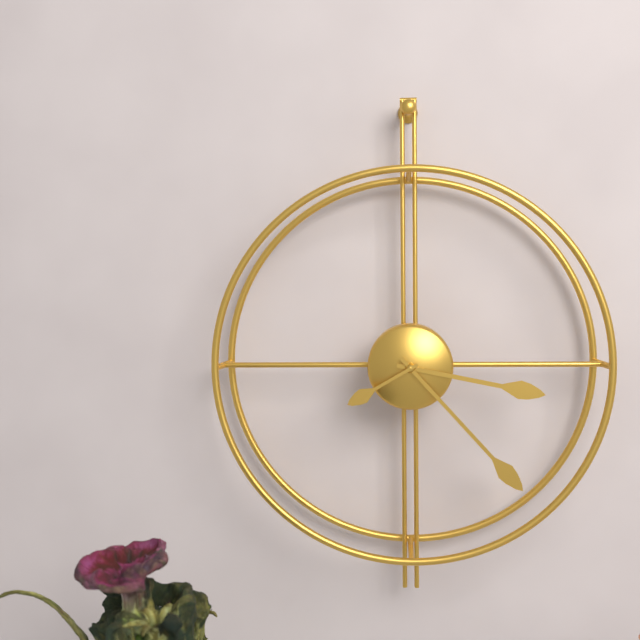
3.23.40
